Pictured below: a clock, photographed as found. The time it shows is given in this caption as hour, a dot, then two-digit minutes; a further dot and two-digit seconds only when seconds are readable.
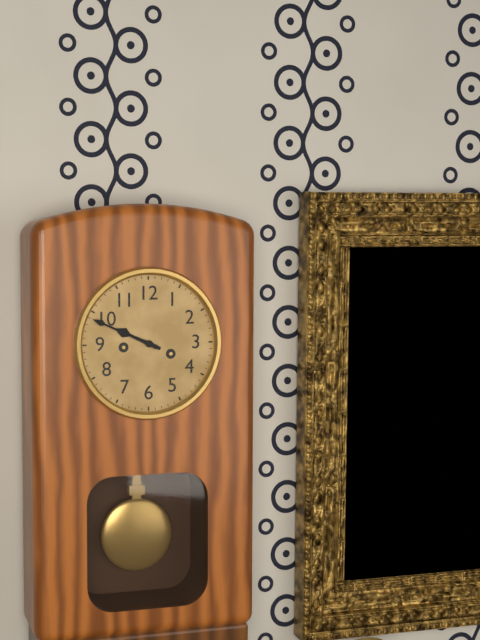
9.49
